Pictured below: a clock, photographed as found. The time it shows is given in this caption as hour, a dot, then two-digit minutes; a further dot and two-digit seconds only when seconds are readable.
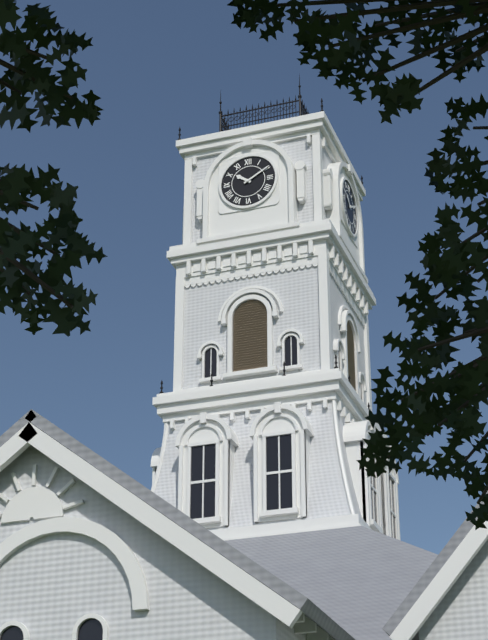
10.10
